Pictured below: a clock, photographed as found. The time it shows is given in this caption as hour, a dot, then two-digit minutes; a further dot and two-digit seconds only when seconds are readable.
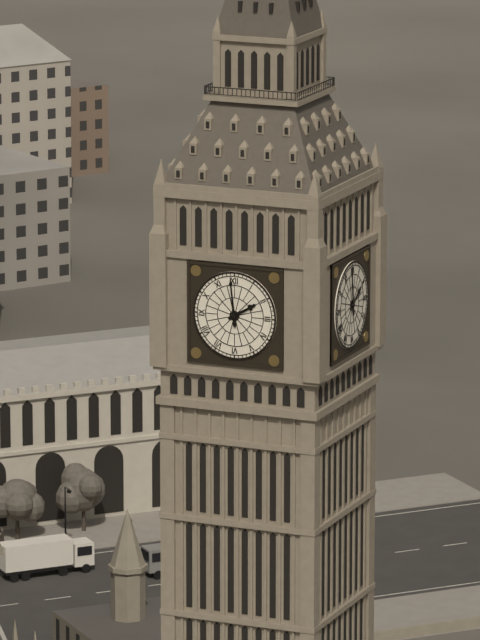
1.59
